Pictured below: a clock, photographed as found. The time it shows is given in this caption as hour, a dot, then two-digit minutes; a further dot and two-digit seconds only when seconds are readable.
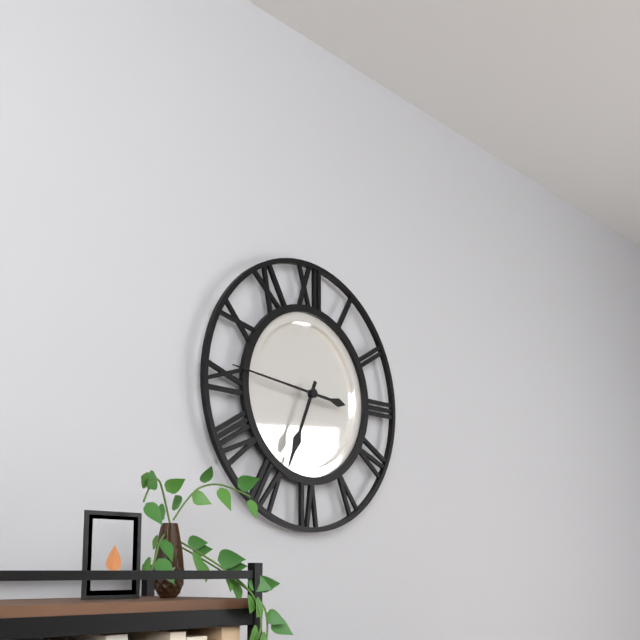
6.46
